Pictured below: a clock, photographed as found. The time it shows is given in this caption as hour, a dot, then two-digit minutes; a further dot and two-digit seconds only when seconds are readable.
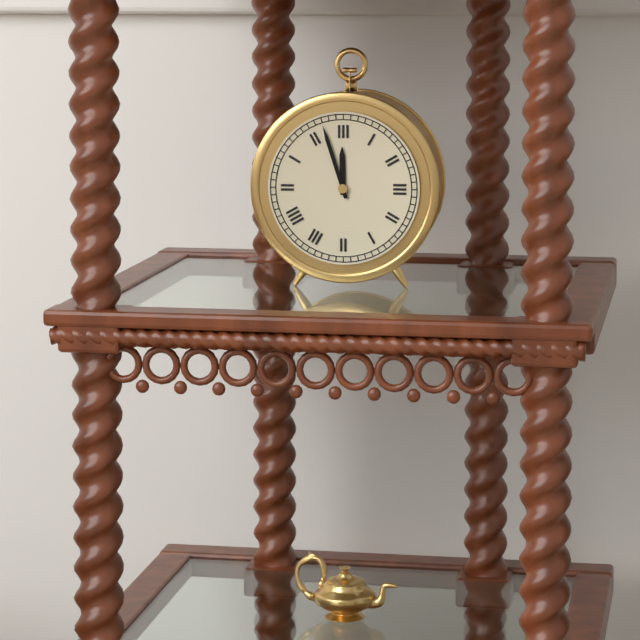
11.57
